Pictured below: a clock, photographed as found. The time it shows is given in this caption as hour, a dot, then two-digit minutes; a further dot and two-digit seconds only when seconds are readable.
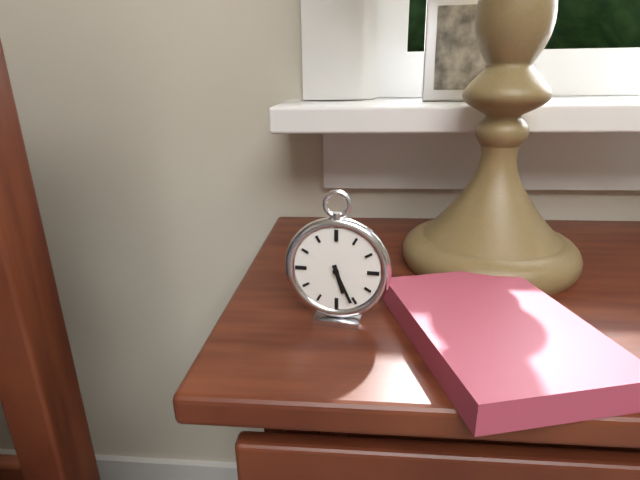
5.26
